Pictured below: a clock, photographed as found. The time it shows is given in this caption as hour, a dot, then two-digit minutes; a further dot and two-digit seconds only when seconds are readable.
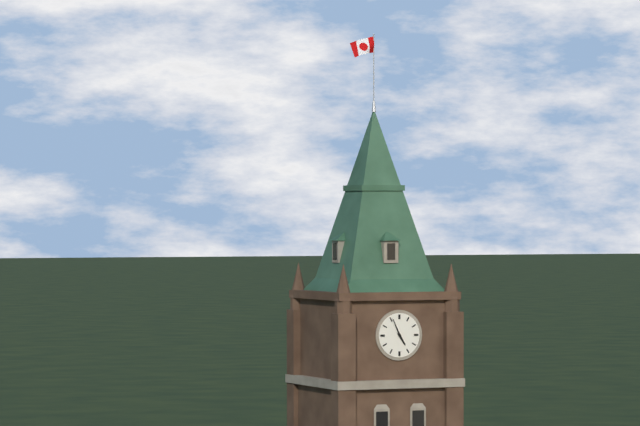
4.56
